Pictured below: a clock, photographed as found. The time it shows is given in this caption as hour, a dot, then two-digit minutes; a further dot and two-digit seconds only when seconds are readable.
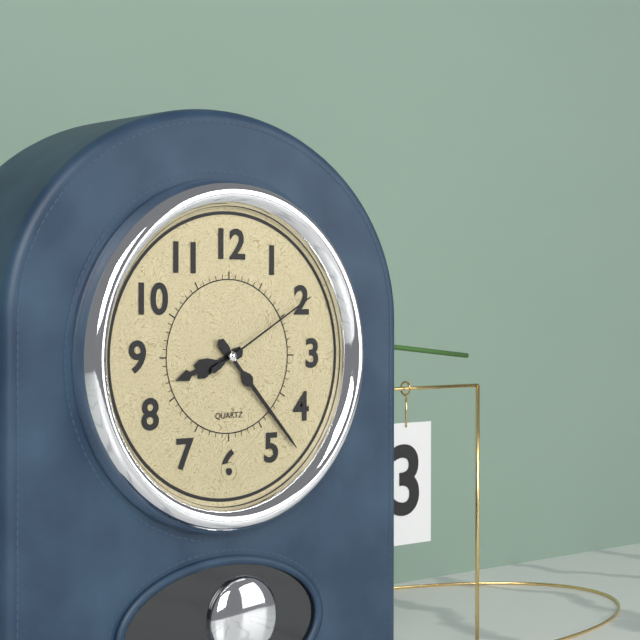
8.23.10
